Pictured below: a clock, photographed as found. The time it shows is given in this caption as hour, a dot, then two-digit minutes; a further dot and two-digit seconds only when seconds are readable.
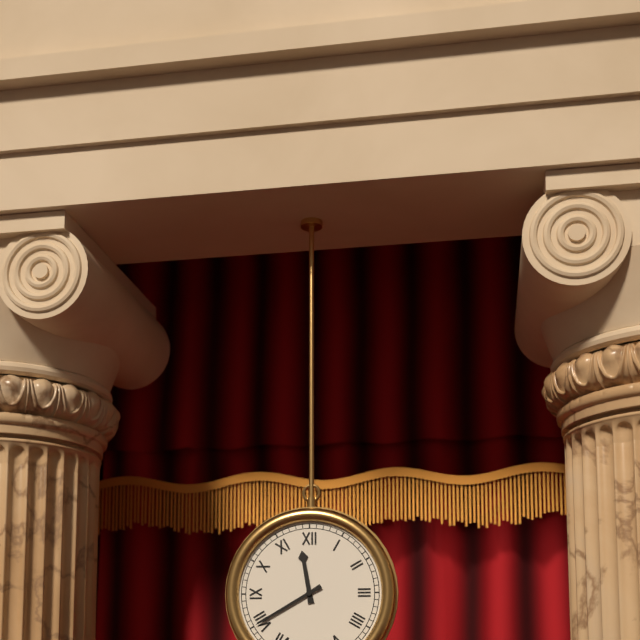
11.40
